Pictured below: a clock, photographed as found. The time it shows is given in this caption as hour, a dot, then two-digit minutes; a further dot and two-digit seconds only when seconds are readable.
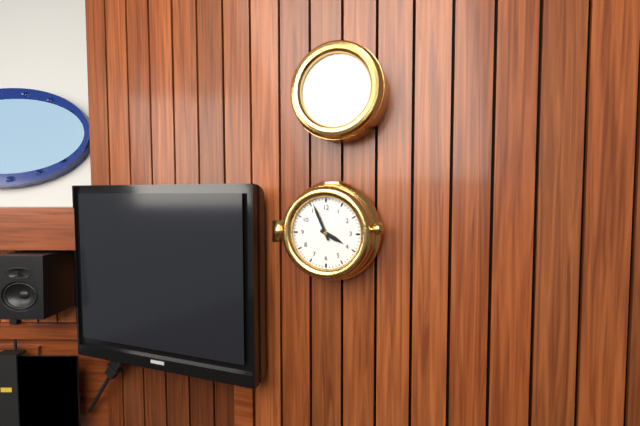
3.56
